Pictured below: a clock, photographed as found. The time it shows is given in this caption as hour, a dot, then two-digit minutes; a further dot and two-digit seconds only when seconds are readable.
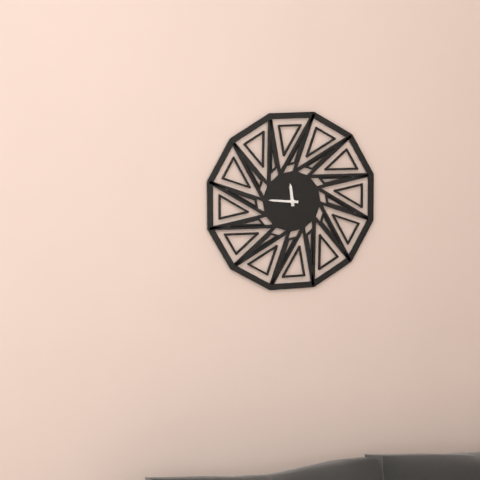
11.46
